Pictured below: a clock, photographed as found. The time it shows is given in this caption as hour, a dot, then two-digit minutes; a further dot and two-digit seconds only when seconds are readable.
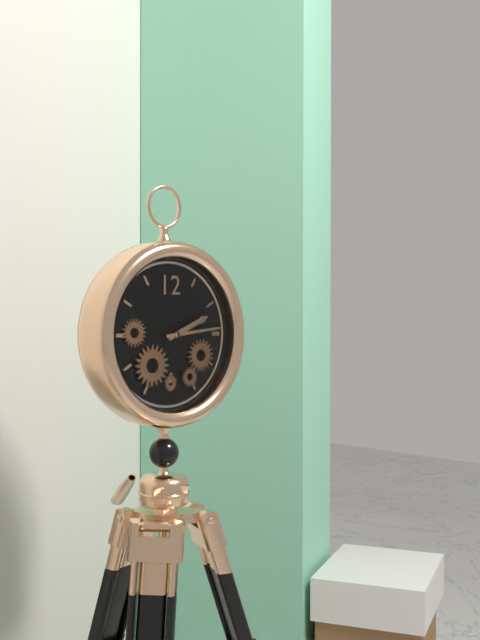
2.14
